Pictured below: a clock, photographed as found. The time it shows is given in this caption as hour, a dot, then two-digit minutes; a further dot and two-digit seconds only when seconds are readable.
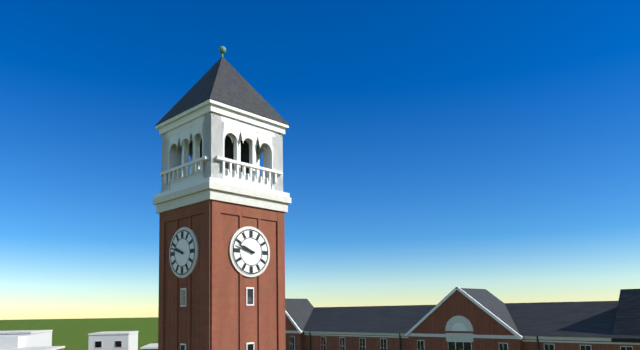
9.48
